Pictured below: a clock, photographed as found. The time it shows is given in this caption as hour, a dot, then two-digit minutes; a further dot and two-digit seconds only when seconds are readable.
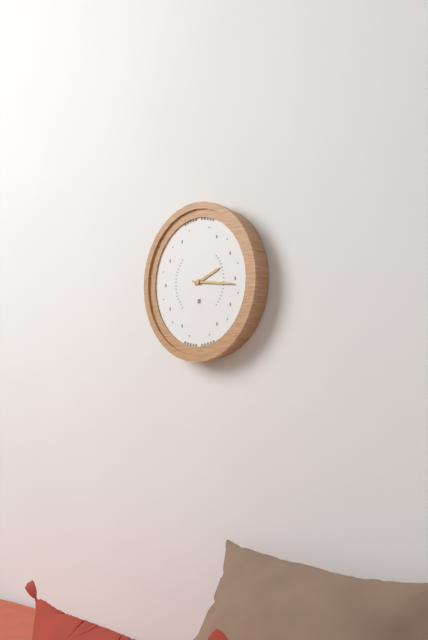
2.16
